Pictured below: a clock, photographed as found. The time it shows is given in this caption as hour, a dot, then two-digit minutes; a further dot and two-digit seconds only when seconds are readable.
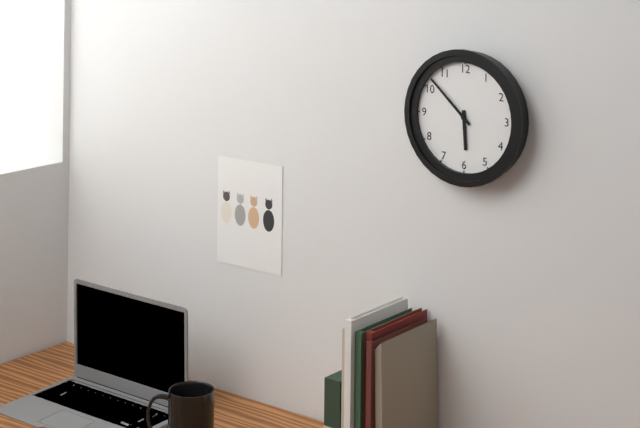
5.52
